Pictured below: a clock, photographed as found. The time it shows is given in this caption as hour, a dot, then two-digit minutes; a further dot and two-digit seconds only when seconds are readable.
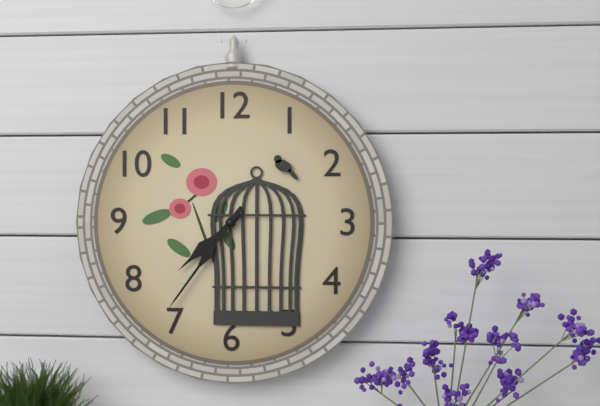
7.36
